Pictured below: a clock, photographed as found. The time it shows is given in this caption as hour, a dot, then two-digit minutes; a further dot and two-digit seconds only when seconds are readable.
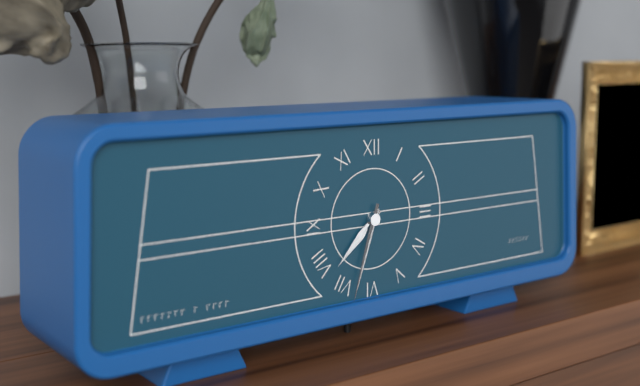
7.33
